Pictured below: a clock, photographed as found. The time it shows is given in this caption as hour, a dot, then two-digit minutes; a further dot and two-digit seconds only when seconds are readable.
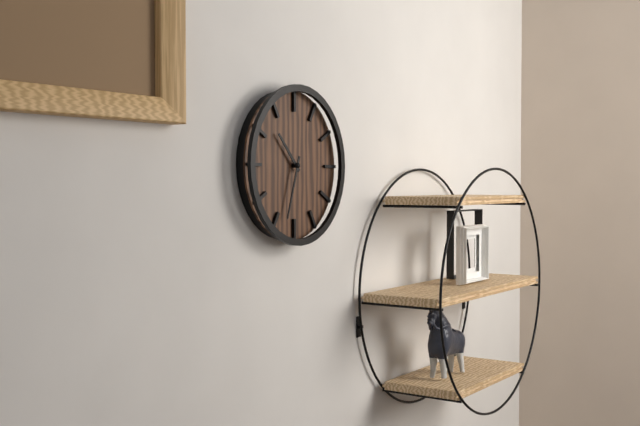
10.33
